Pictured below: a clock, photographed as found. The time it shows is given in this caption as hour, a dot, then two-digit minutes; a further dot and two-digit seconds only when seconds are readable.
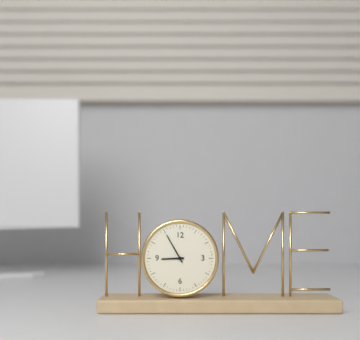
8.55
